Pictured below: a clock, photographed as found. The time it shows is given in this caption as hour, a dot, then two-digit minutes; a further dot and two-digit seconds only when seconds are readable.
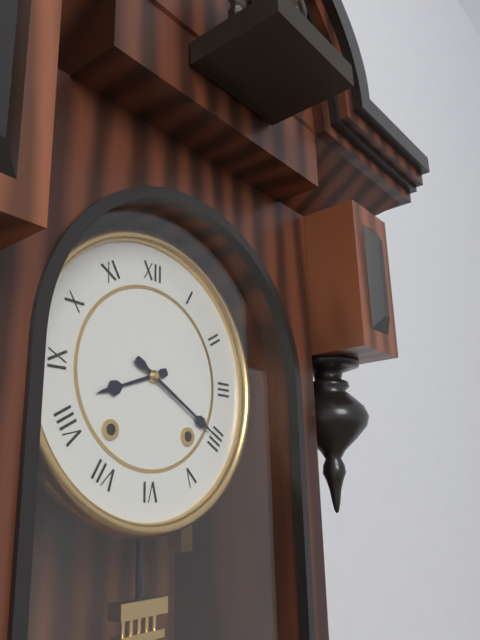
8.20
